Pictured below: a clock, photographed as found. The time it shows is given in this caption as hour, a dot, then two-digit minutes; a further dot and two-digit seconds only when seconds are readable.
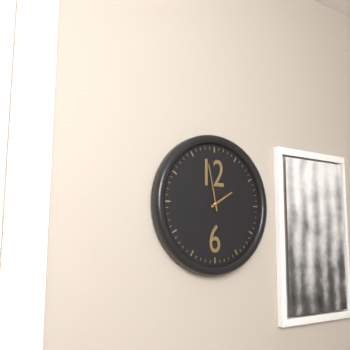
1.58
